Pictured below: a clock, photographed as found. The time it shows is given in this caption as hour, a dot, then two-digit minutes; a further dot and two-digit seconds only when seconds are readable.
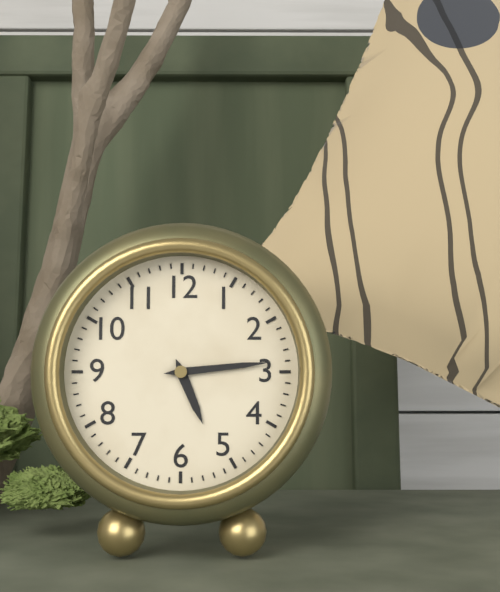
5.14
